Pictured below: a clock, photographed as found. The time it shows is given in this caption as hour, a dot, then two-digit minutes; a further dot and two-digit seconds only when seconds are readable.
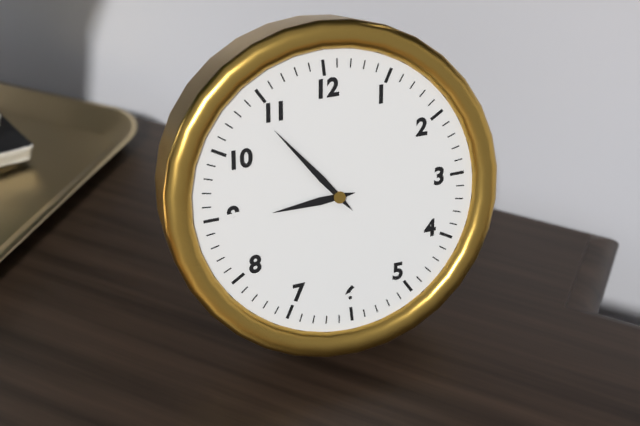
8.54
